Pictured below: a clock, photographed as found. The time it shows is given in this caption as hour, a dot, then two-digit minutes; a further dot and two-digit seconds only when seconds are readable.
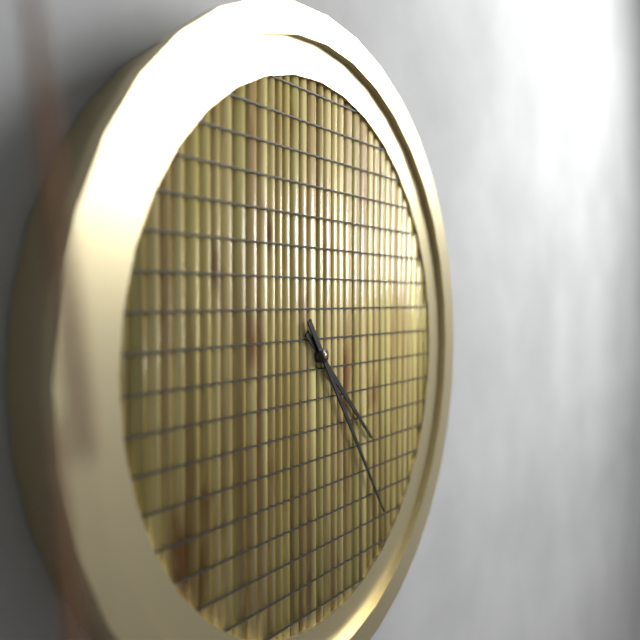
4.24
